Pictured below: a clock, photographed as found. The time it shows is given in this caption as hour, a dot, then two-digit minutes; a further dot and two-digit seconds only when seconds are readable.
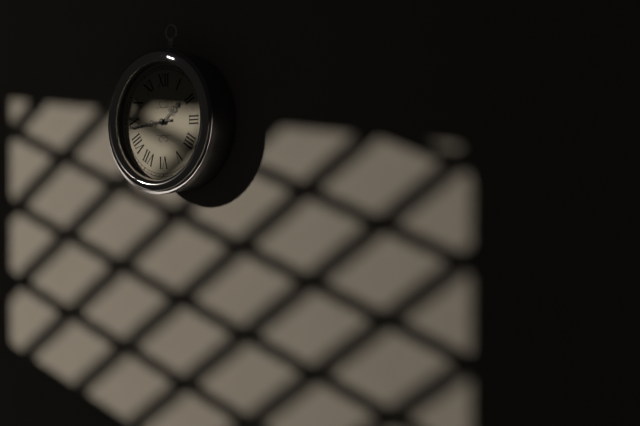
1.44
